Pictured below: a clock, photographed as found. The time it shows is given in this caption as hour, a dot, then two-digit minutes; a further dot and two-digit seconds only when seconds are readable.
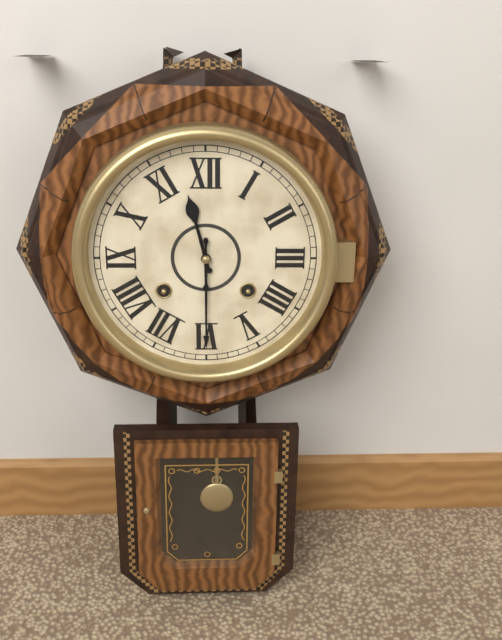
11.30
